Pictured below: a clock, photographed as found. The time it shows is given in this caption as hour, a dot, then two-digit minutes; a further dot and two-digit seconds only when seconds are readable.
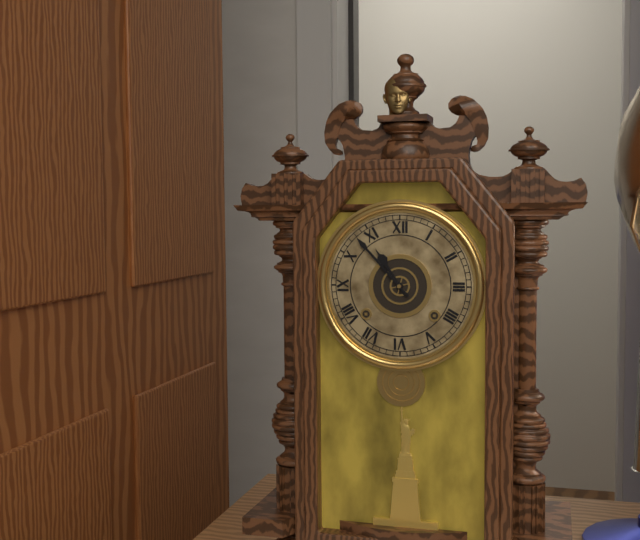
10.53
